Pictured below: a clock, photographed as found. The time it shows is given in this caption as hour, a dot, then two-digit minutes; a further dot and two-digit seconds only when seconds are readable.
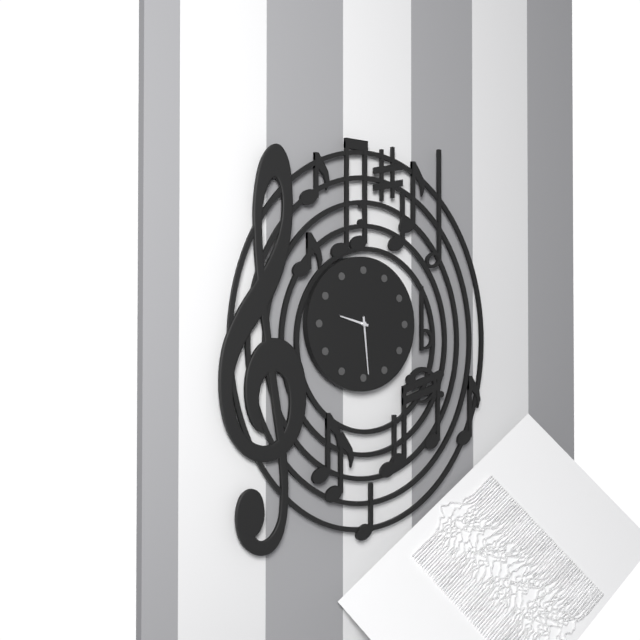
9.29
